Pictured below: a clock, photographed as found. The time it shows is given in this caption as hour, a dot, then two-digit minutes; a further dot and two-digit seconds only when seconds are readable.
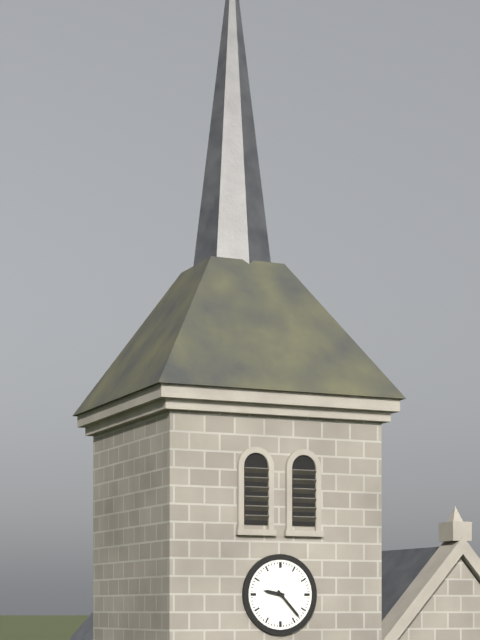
9.23
